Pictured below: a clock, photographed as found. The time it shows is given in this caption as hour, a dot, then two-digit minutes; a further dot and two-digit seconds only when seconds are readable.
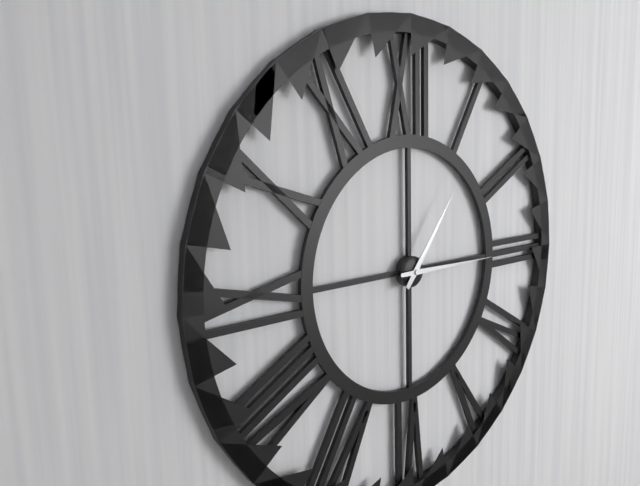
1.15
